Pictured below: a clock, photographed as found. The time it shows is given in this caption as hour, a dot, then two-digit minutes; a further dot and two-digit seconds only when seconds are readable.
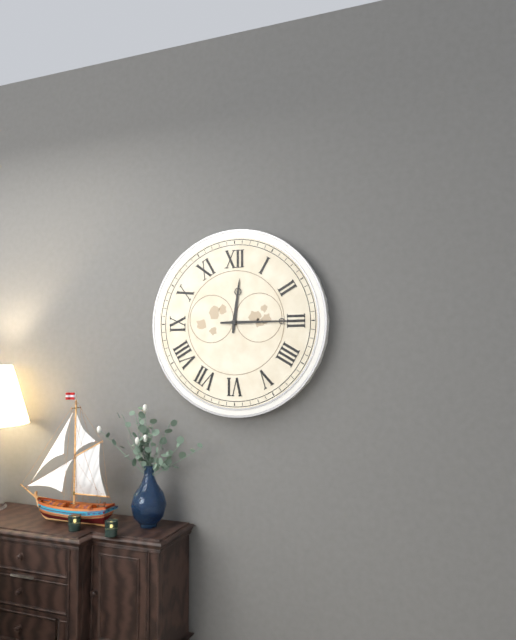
12.15
